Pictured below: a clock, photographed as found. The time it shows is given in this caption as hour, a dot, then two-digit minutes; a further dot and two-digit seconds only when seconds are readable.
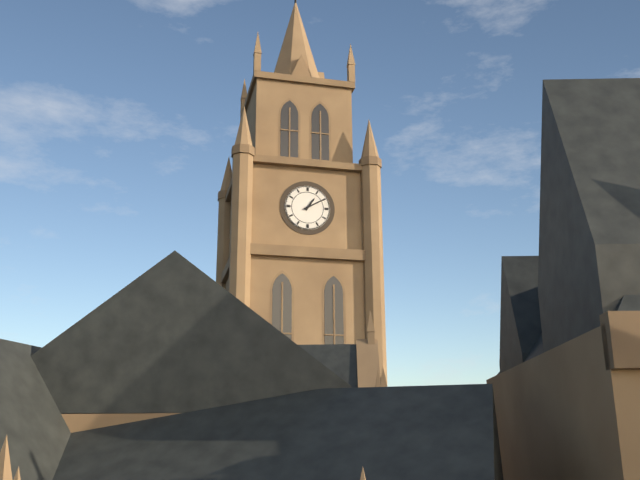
1.10
